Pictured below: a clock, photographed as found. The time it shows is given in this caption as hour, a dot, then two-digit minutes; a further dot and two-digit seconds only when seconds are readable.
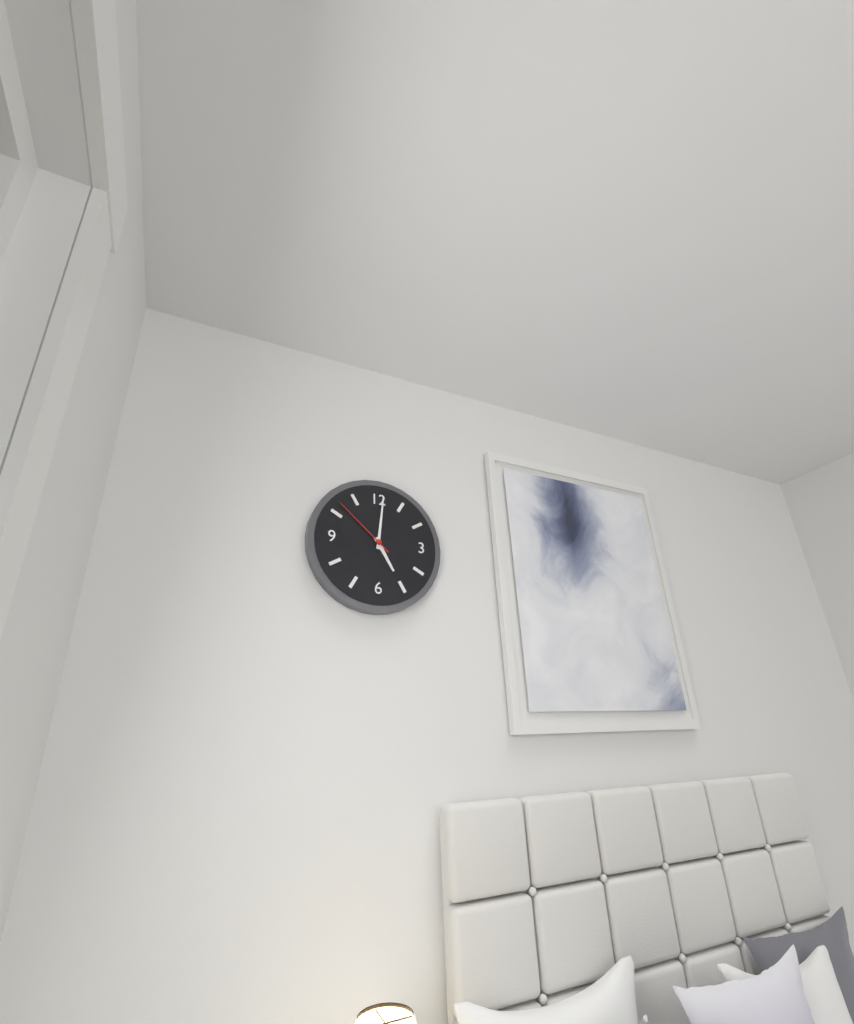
5.01.52
